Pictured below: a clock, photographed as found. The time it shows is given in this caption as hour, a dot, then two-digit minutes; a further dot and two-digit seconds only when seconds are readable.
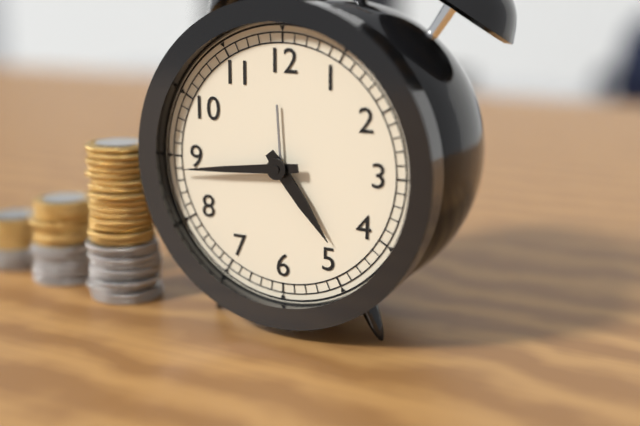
4.44
